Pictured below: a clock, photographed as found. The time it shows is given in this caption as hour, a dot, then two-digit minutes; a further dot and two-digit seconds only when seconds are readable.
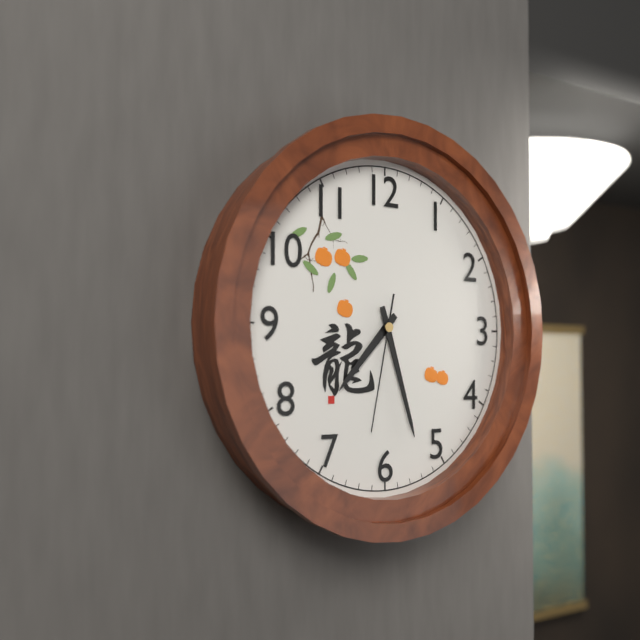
7.27.32
